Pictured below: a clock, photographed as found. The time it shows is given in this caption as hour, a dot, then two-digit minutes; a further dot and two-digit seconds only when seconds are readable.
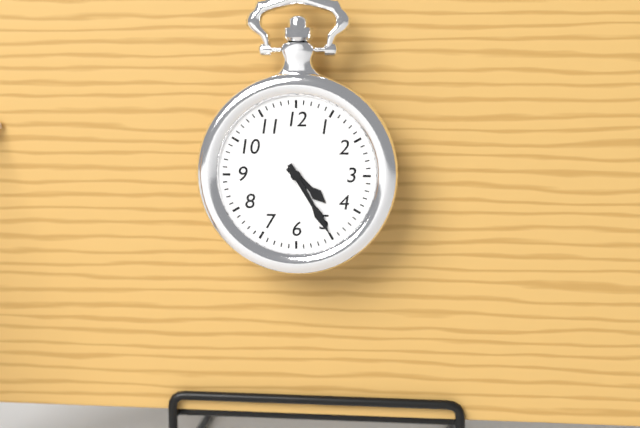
4.25
